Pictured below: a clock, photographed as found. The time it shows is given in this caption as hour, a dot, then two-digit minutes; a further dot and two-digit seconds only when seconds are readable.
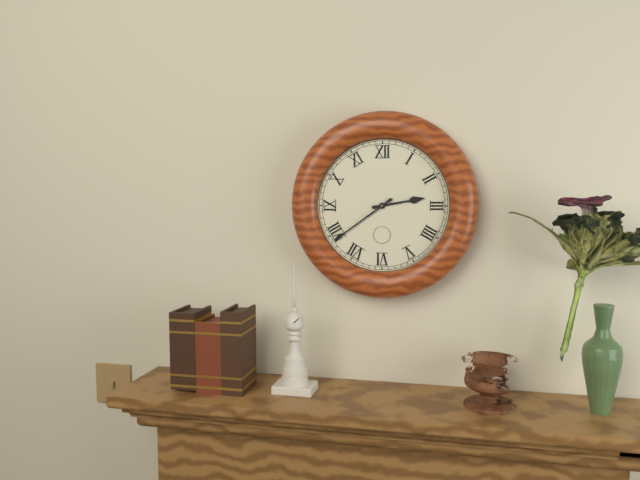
2.39
